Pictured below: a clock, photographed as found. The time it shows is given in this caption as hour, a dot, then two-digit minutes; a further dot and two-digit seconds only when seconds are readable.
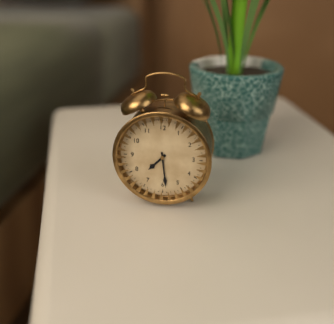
7.29
